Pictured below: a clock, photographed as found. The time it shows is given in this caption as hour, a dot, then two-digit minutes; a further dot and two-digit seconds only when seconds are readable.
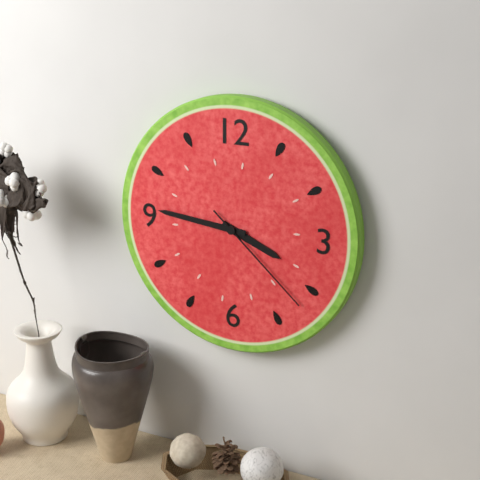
3.46.22
